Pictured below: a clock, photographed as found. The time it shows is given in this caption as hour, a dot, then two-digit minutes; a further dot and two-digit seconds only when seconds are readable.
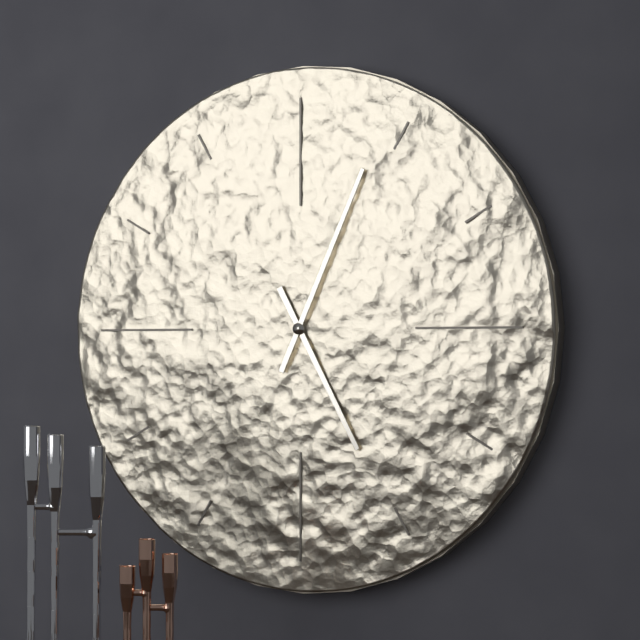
5.04
